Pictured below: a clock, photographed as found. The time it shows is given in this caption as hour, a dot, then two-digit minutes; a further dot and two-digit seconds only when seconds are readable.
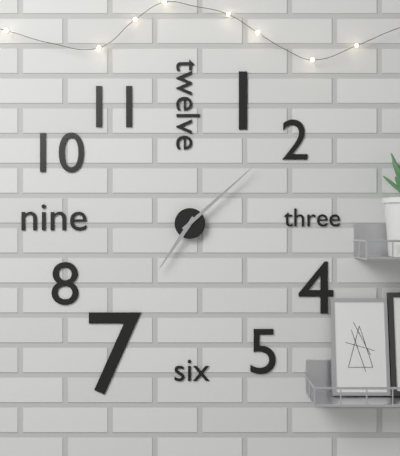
7.08
